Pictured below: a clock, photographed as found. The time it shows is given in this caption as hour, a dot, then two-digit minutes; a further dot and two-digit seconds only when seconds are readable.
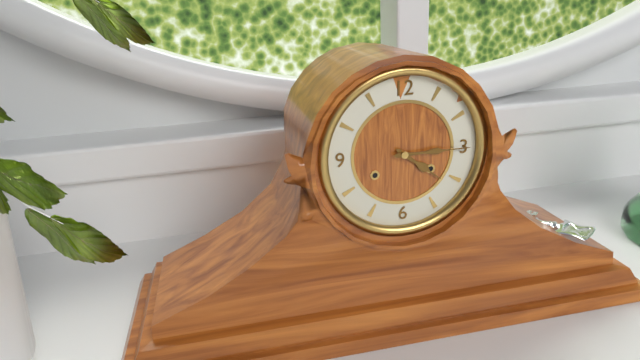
4.15
